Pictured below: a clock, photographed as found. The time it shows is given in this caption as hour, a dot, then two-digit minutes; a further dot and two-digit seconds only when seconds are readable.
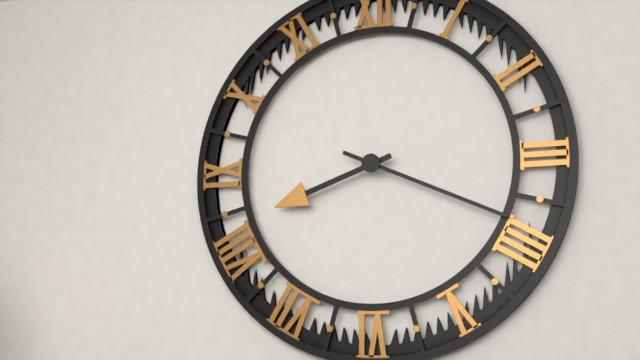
8.19
